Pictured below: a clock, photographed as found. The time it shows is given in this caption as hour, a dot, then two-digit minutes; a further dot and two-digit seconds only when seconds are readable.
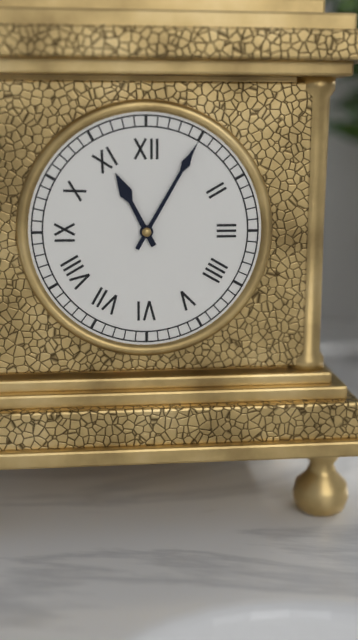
11.05
